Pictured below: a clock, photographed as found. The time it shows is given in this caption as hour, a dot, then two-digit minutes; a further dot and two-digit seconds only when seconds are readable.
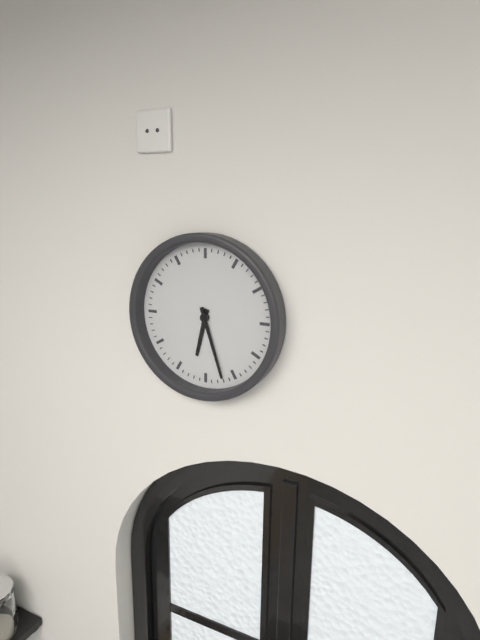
6.27
